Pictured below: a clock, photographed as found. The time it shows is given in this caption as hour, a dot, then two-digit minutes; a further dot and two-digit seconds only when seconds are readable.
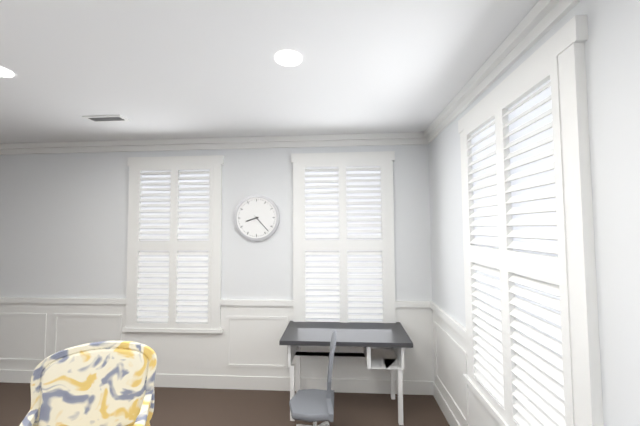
8.23
